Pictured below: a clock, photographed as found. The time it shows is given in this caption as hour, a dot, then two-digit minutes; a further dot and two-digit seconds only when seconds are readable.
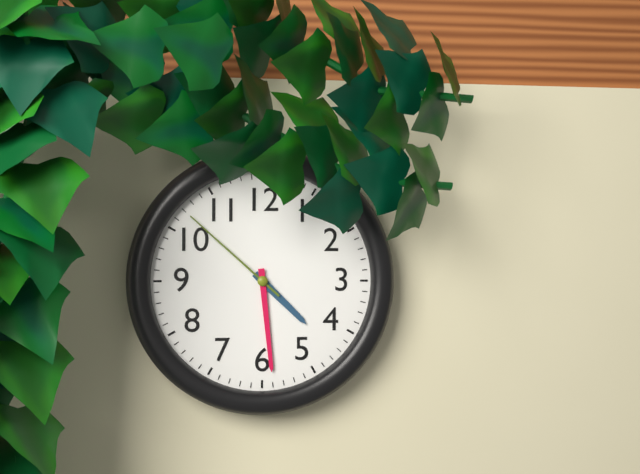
4.29.52
